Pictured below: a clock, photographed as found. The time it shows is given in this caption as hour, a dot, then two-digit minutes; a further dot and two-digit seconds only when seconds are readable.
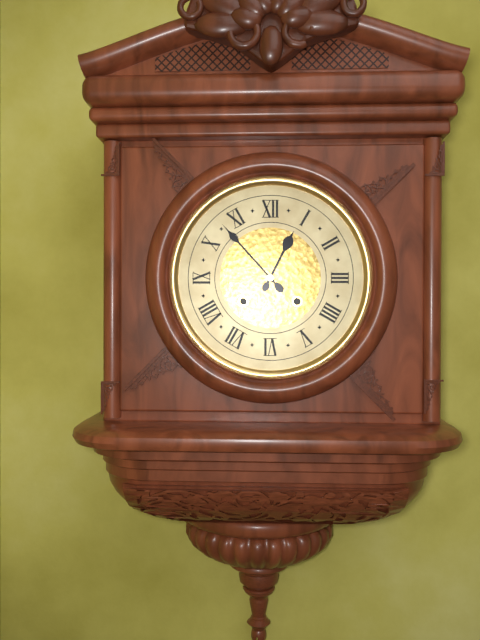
12.53
